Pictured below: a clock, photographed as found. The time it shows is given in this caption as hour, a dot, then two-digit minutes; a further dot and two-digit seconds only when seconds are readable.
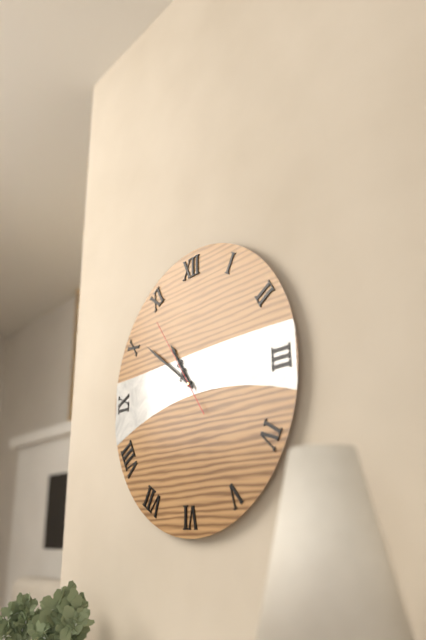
10.51.54
